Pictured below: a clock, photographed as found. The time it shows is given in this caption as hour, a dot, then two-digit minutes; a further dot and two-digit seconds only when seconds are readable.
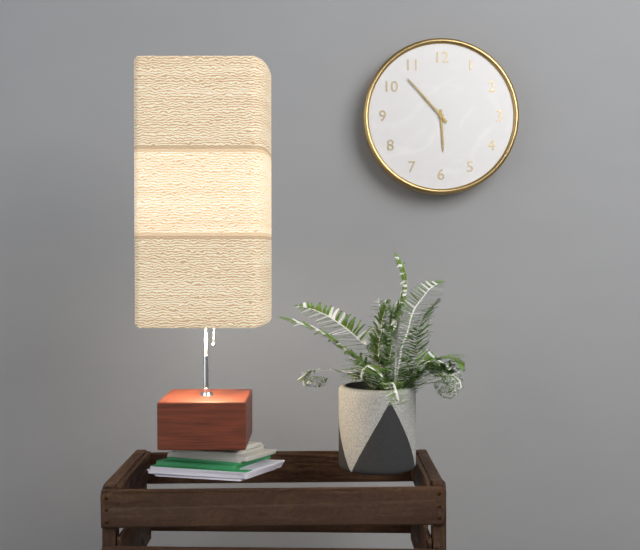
5.53
